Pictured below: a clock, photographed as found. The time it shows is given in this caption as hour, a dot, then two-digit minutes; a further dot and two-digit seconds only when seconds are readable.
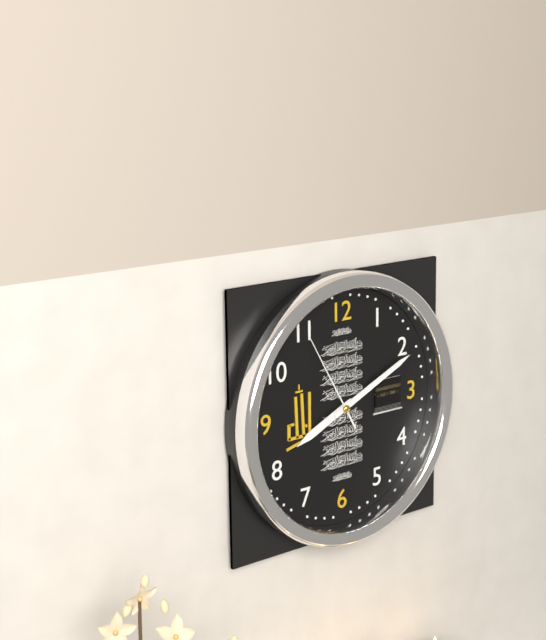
8.11.55
